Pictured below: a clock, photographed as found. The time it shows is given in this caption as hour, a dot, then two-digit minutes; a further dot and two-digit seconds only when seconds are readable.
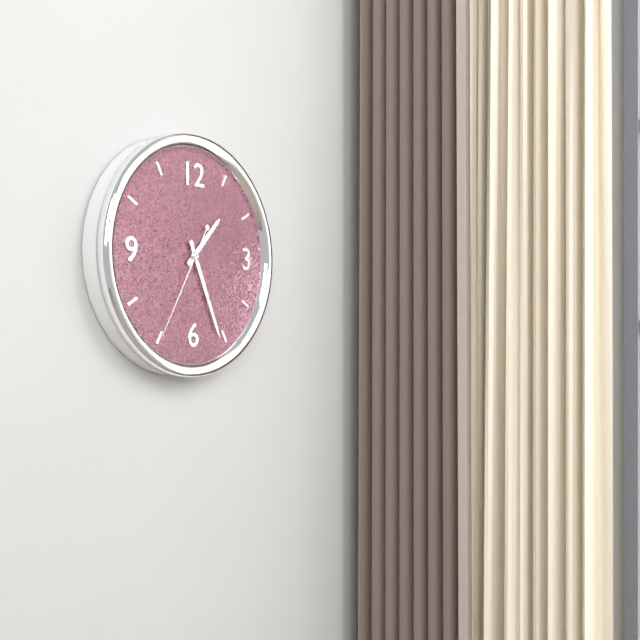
1.26.35
